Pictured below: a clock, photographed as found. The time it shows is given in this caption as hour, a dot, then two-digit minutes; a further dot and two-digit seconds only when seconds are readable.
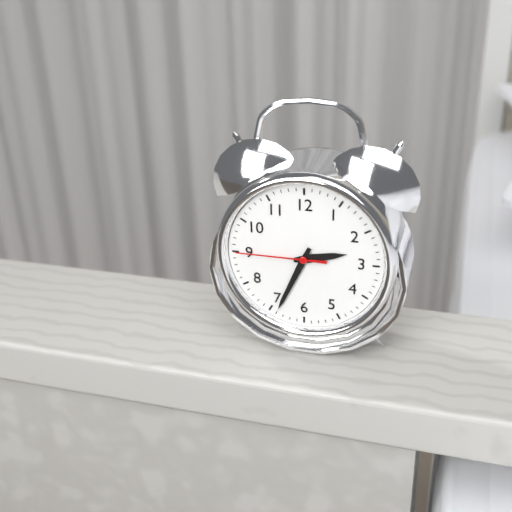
2.34.45
